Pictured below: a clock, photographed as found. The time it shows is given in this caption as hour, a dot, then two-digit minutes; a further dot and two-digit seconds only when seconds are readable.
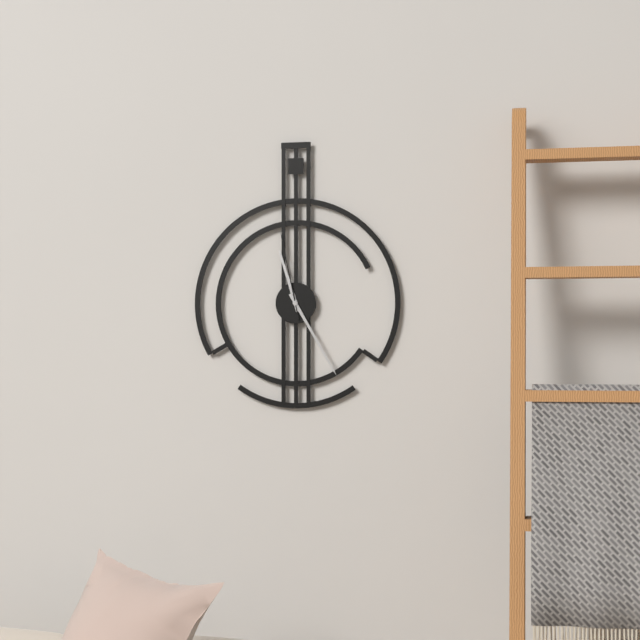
11.25.58
